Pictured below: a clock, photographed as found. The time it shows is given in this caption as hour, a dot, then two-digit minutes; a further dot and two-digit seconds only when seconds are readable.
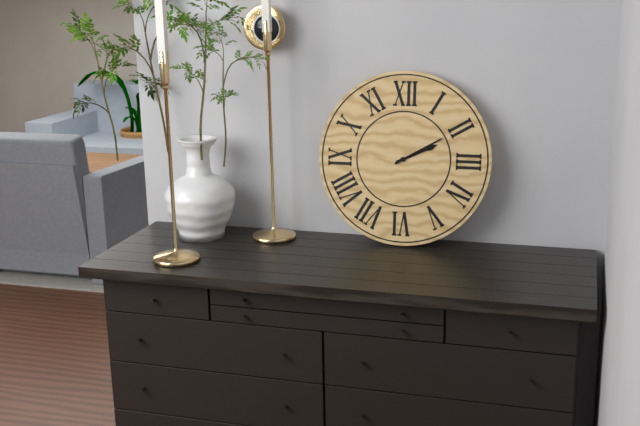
2.10
